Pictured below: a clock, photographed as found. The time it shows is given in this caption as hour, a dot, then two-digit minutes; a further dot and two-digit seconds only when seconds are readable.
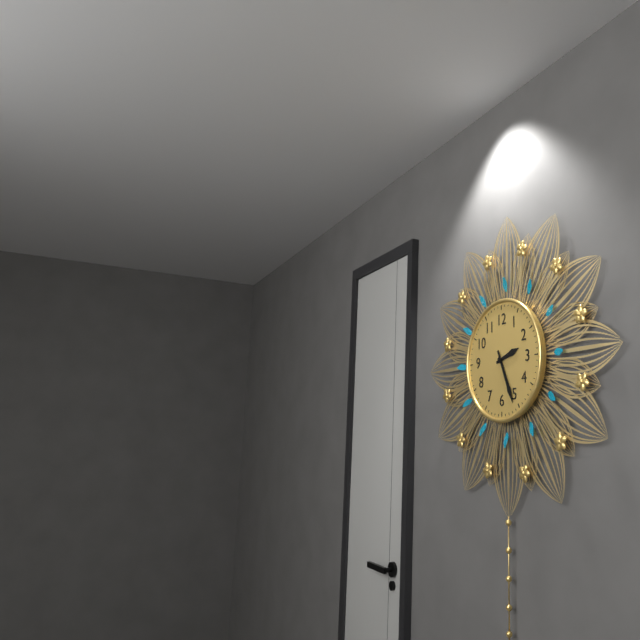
2.26
